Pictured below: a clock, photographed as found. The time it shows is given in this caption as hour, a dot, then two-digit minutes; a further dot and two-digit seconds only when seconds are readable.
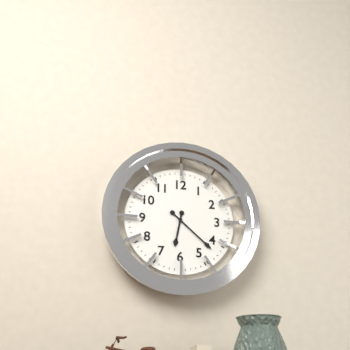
6.22
